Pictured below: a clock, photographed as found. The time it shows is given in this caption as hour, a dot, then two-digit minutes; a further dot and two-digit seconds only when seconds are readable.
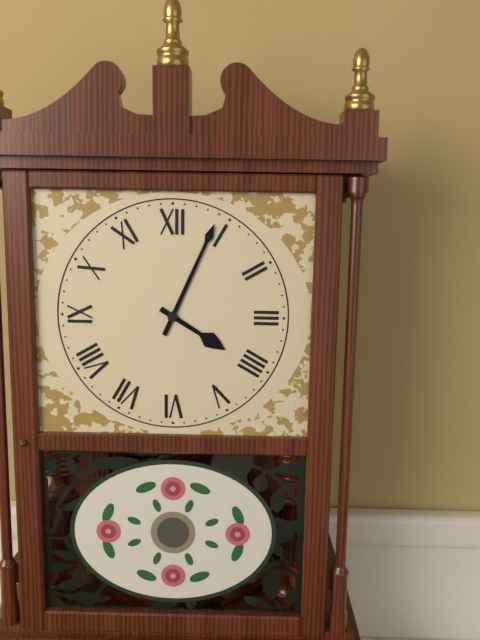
4.04
